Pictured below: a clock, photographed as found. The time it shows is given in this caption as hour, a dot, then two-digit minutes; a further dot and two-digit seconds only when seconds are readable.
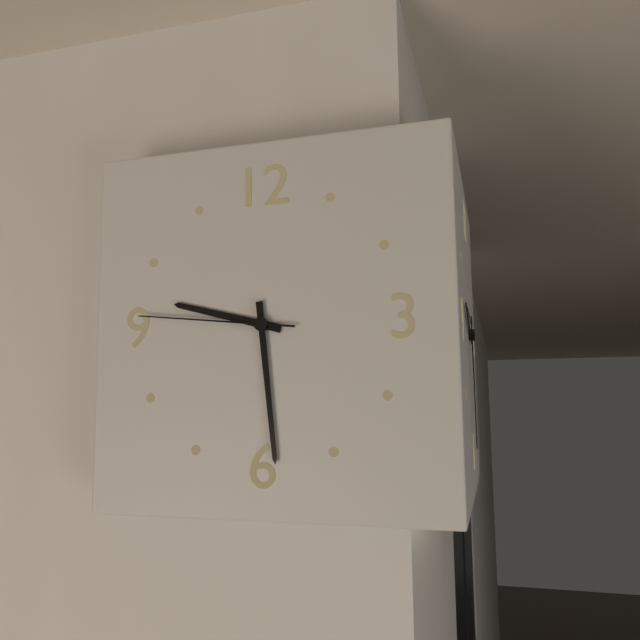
9.29.46
